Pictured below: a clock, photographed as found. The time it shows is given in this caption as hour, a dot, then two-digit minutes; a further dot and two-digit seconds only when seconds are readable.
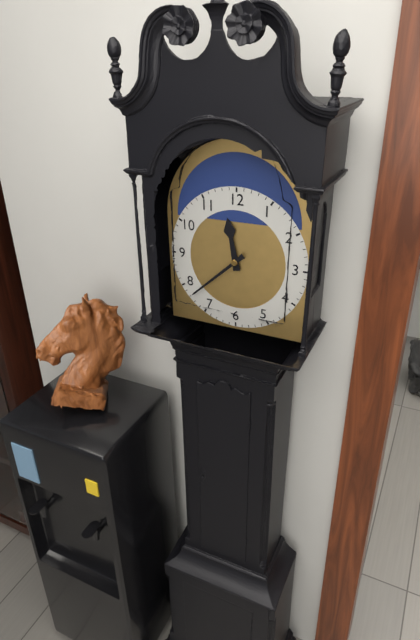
11.38
